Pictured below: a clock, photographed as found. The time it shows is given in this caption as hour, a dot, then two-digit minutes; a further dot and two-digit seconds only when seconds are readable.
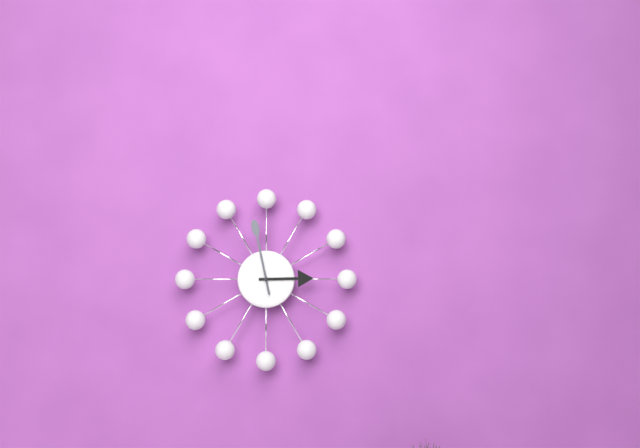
2.58
